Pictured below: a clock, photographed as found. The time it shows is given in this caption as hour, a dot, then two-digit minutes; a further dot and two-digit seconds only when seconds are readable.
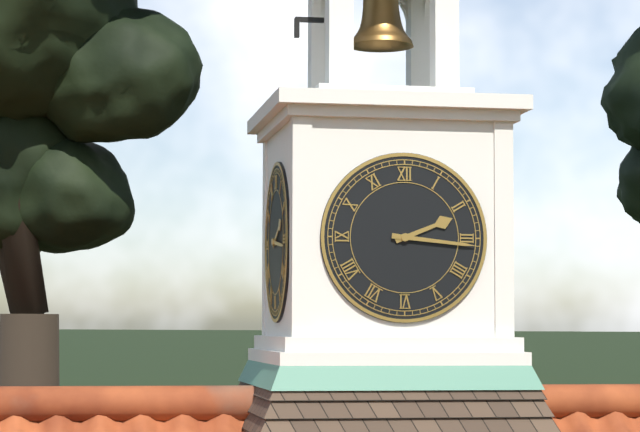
2.16
